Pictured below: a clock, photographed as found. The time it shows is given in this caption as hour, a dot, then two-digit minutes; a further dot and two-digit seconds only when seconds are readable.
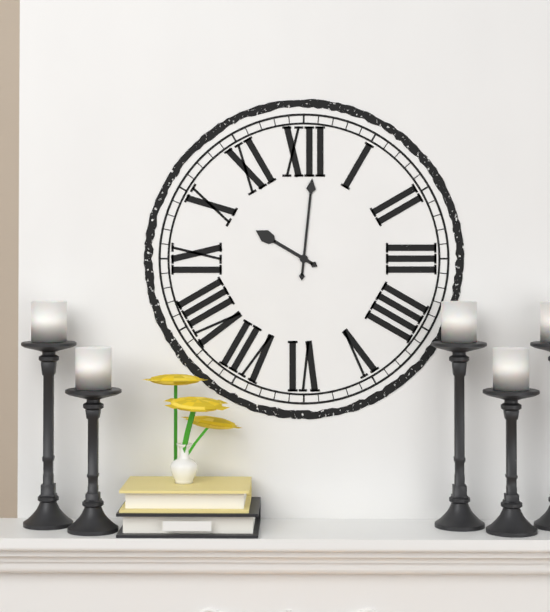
10.01
